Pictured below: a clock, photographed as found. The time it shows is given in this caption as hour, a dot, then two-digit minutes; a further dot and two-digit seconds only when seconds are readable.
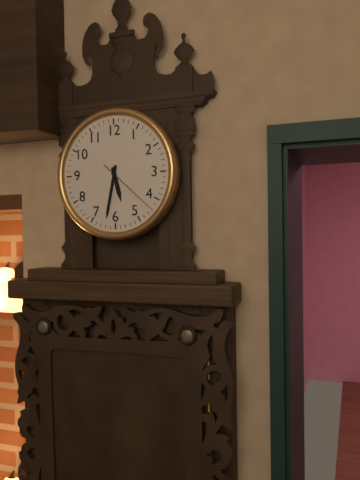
5.32.22
